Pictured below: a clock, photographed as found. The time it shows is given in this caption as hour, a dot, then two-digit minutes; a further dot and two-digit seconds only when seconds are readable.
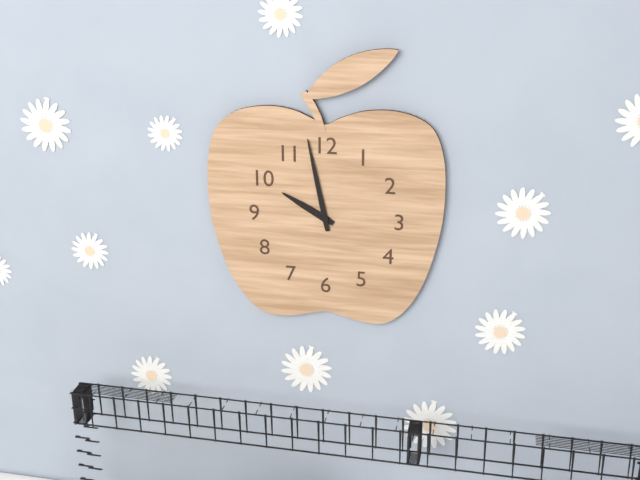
9.58
